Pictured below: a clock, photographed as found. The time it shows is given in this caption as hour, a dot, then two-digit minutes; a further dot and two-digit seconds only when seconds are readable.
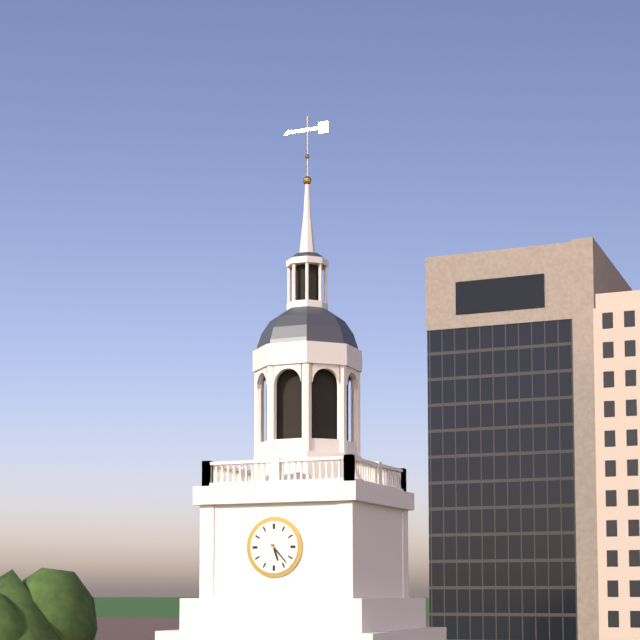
5.23
